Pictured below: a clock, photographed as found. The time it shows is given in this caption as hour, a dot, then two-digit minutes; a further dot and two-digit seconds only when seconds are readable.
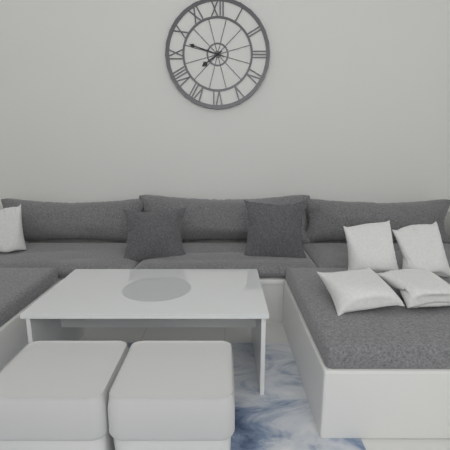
7.48
